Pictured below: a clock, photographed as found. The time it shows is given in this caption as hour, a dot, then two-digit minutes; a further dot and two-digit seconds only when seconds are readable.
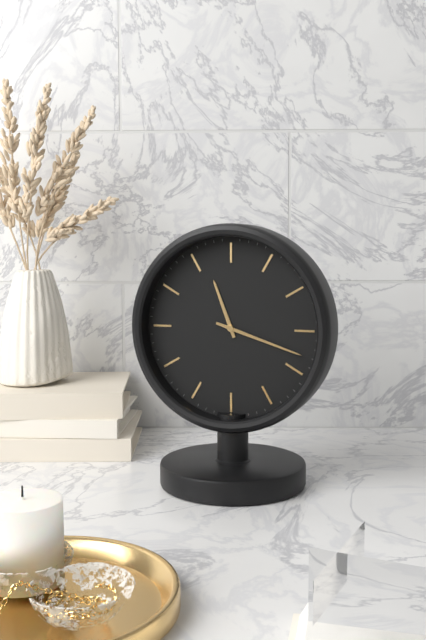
11.18
